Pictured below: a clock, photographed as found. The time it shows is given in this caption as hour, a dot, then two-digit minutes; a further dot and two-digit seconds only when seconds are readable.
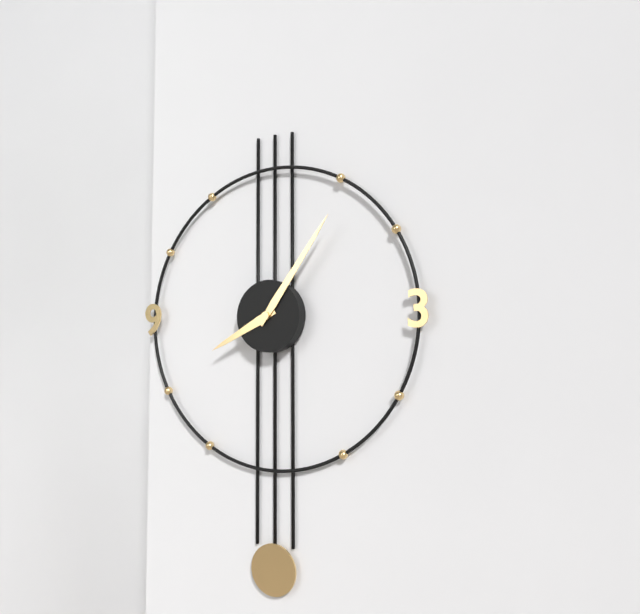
8.06
